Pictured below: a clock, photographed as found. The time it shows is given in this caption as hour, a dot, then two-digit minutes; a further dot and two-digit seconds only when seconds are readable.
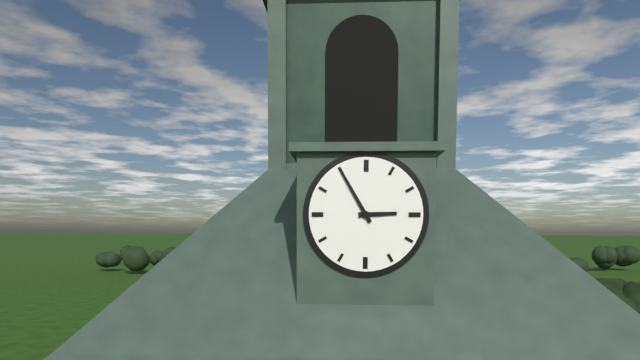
2.55
